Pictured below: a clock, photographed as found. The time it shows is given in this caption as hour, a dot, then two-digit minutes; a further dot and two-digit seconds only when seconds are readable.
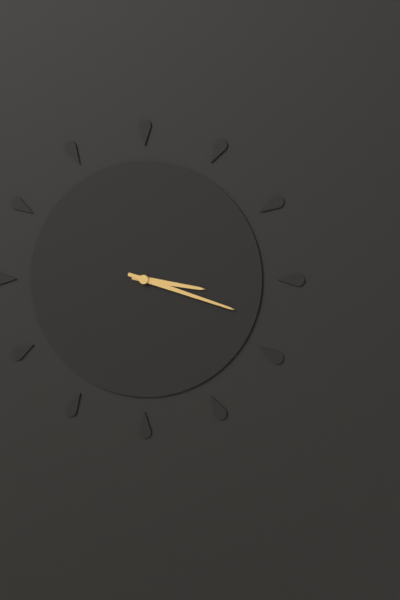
3.18
